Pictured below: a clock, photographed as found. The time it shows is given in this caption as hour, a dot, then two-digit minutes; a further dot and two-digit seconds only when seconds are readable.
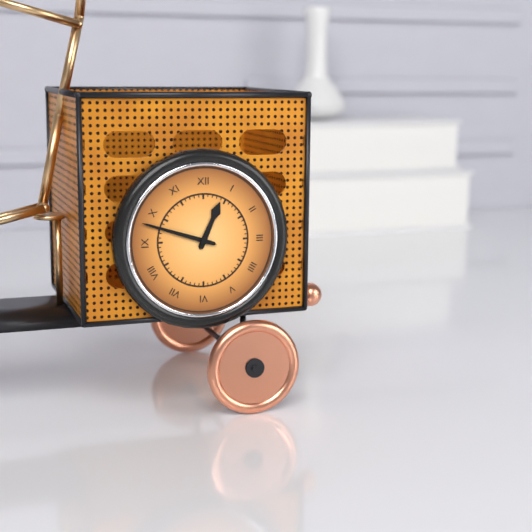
12.48
